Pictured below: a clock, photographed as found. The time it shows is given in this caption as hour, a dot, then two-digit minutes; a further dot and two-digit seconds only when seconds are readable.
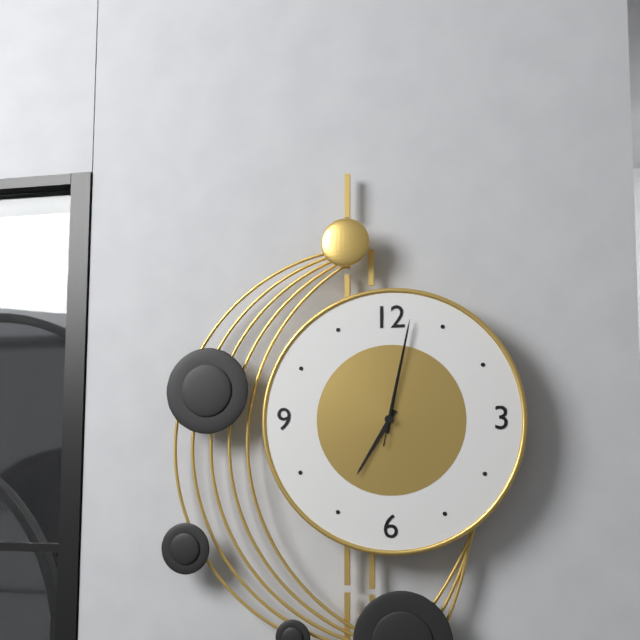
7.02.02
